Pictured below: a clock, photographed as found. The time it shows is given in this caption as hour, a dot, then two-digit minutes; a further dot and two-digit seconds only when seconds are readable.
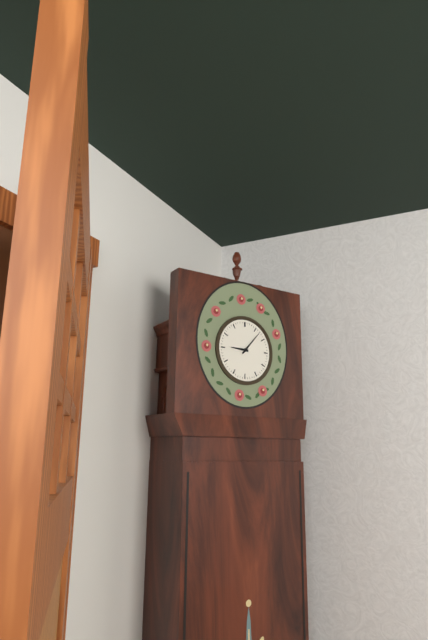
9.07
